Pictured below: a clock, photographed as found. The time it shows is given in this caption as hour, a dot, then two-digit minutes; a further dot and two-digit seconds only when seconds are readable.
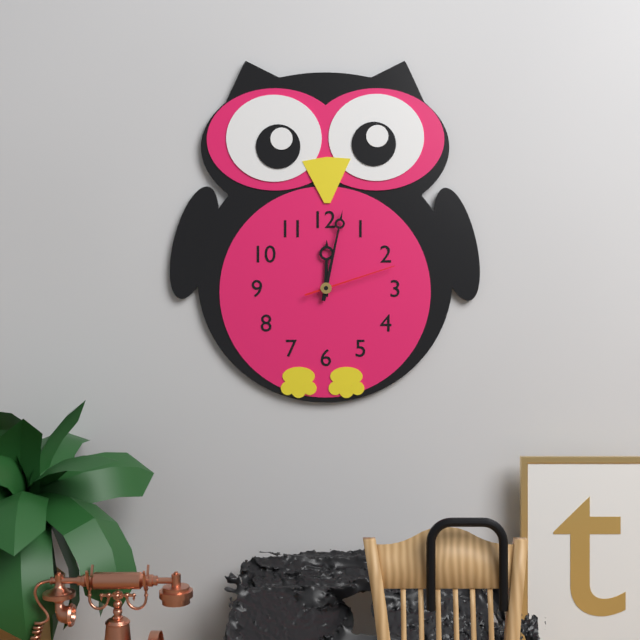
12.02.12
